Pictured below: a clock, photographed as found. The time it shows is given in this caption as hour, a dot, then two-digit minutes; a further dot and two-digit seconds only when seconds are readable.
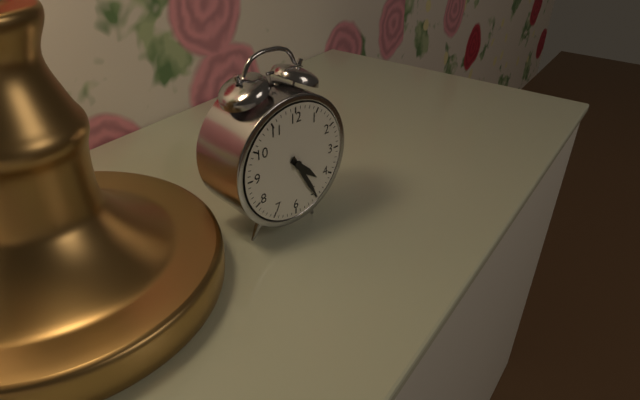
4.25
